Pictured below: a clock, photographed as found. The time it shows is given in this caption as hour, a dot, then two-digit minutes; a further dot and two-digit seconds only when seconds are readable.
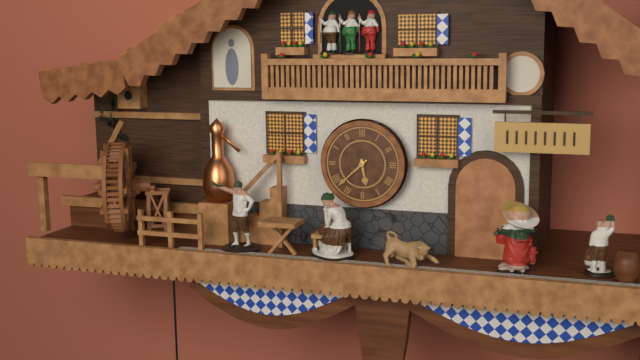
5.38
